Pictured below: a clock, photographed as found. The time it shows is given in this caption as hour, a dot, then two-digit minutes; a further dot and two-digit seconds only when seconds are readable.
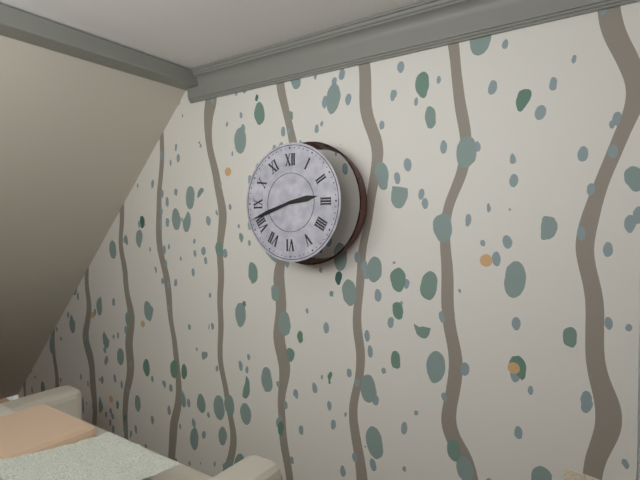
2.42
